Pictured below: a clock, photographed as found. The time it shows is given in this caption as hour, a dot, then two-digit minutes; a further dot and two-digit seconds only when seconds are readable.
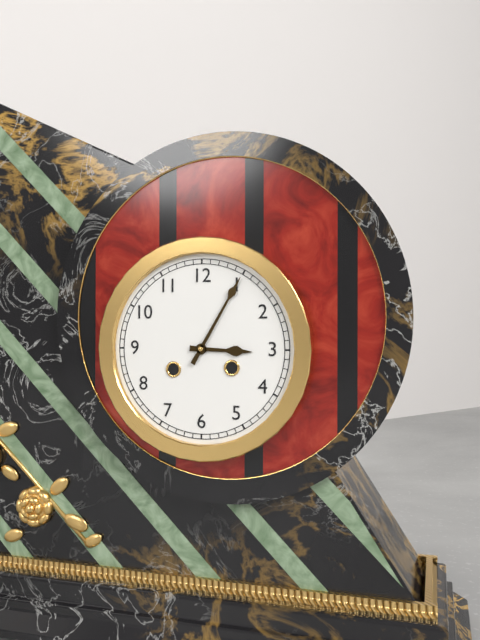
3.05
